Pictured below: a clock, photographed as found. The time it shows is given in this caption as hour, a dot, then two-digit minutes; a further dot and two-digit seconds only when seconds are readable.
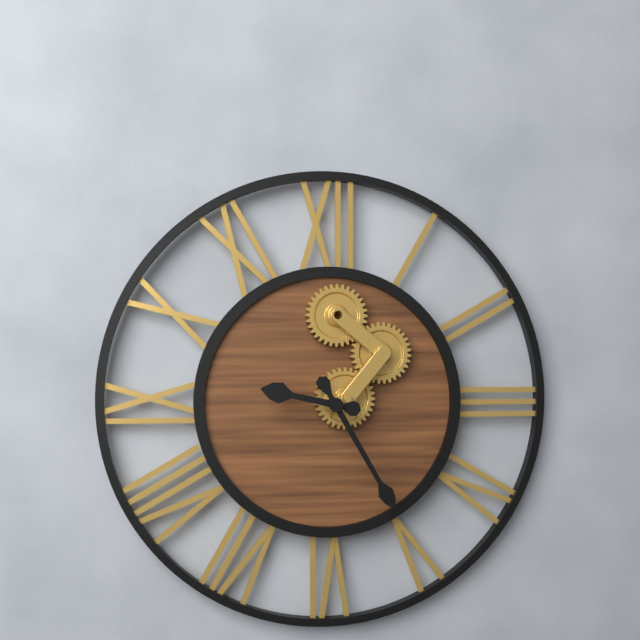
9.25
